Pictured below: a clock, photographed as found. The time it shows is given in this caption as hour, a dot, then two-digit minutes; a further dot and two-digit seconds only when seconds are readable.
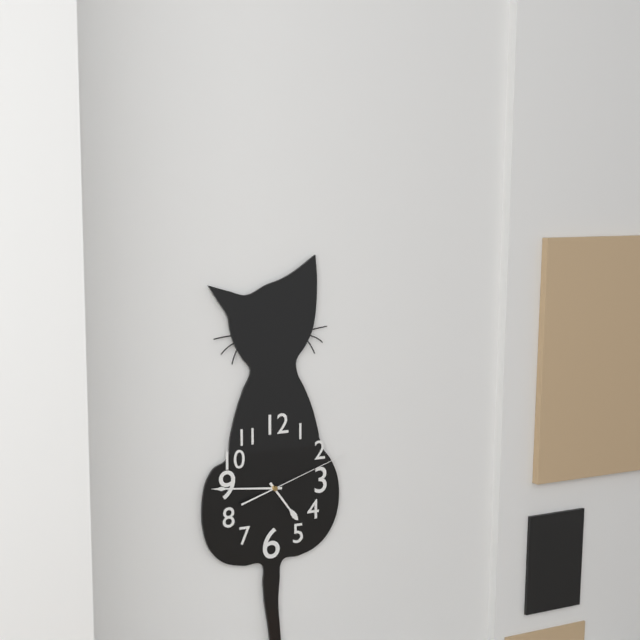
4.46.12
